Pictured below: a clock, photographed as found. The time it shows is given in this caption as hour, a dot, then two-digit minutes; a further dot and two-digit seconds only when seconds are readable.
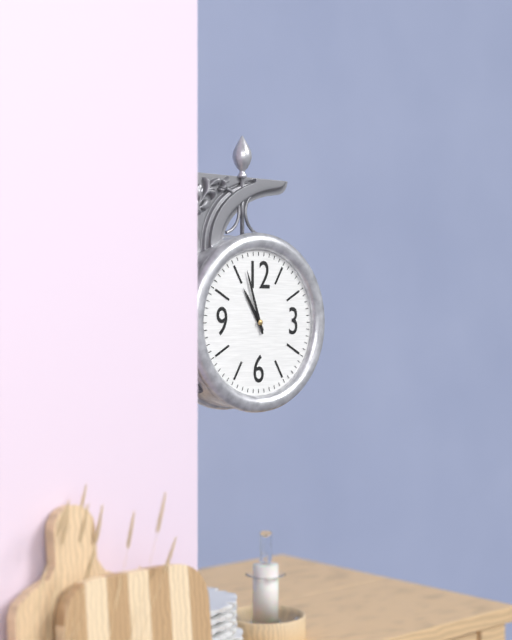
10.57
